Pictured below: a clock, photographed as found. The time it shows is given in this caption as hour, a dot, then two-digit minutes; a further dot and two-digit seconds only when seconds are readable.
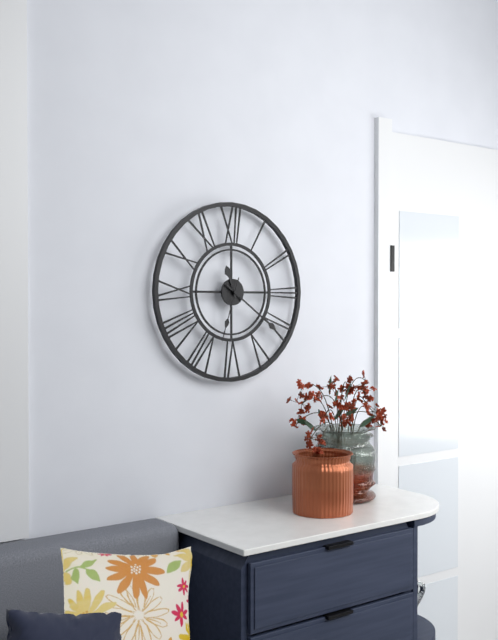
11.21.33
